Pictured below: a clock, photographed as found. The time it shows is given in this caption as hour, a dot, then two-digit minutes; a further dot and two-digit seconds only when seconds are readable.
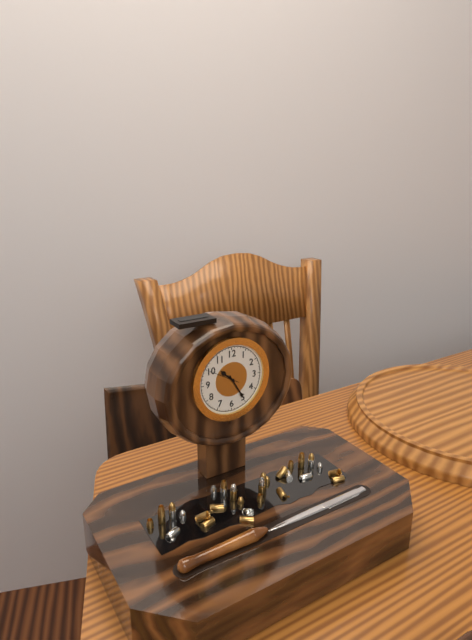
10.25
